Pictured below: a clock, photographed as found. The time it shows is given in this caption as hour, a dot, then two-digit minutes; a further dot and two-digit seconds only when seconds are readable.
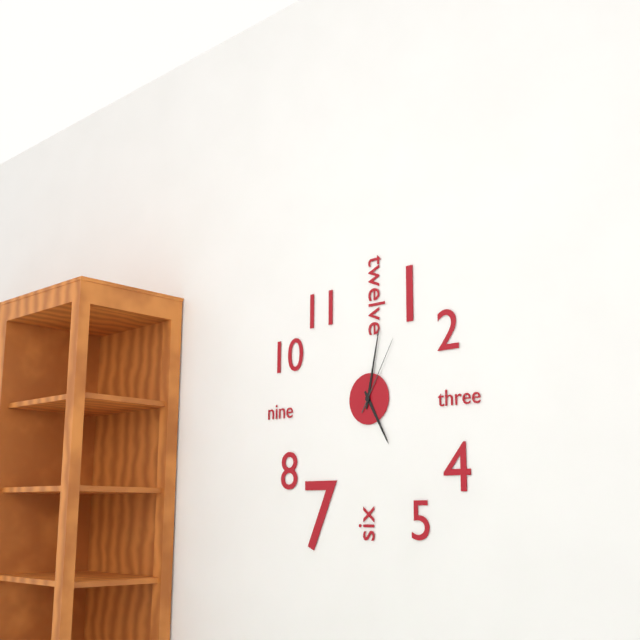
5.02.05
